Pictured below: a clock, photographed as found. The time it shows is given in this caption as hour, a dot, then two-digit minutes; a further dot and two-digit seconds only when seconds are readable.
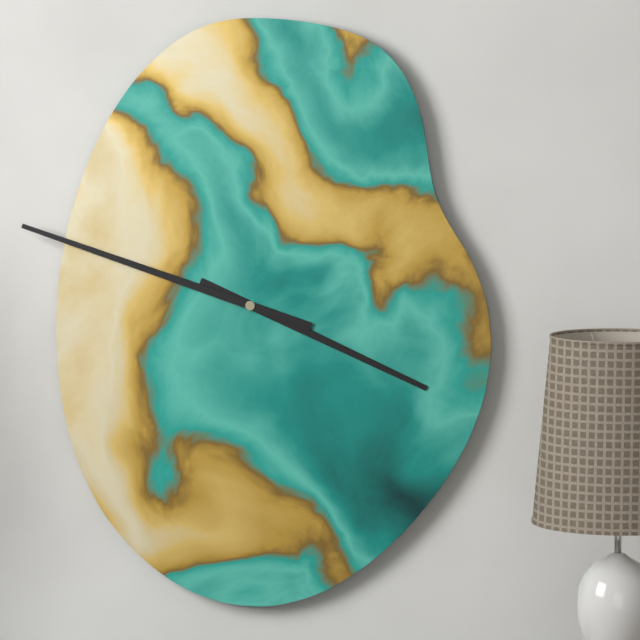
3.48
